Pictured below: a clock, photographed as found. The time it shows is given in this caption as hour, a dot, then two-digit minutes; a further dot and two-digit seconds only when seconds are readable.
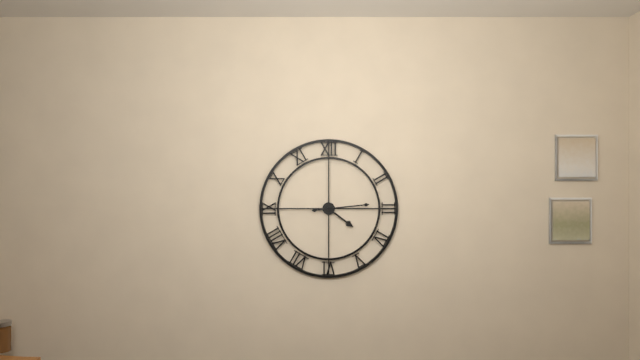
4.14
